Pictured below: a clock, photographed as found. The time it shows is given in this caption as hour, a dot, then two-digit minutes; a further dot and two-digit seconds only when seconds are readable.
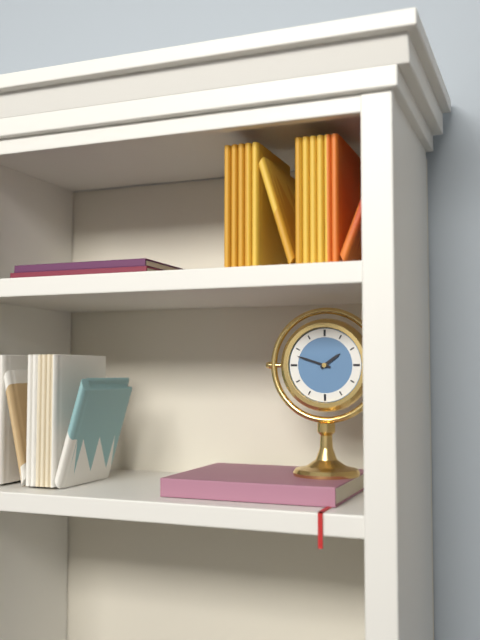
1.48
